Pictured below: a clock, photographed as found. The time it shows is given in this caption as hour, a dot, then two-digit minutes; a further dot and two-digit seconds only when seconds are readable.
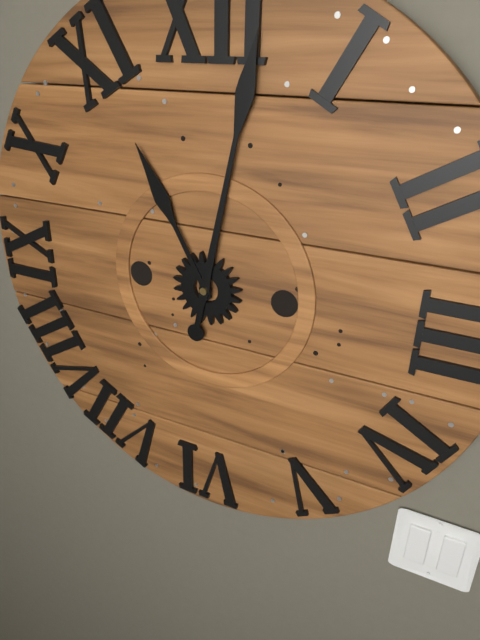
11.02
